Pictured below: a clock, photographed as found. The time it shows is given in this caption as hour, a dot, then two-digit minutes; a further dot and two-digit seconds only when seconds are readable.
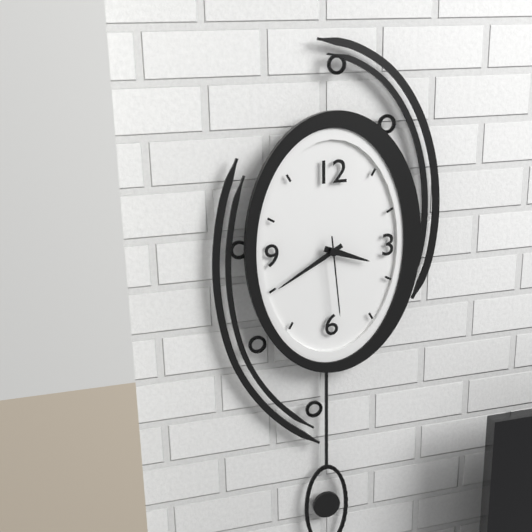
3.40.29
